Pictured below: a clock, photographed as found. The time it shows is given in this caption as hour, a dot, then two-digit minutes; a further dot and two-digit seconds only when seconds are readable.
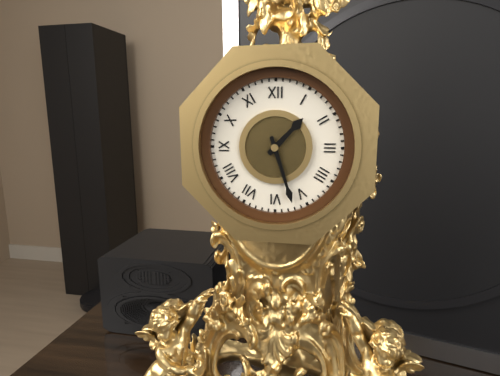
1.27
